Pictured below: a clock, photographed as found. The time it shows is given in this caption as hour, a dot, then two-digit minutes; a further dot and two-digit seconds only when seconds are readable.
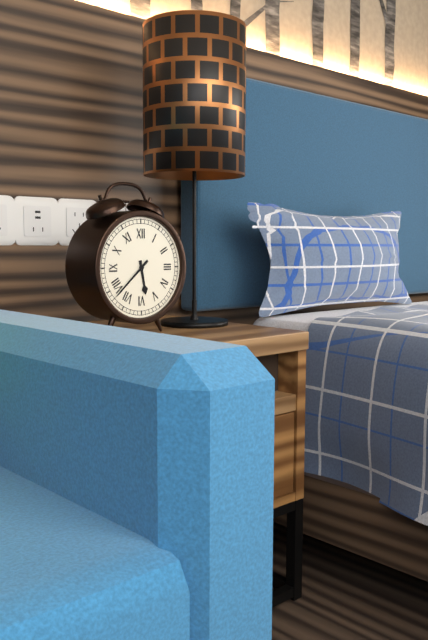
5.38
